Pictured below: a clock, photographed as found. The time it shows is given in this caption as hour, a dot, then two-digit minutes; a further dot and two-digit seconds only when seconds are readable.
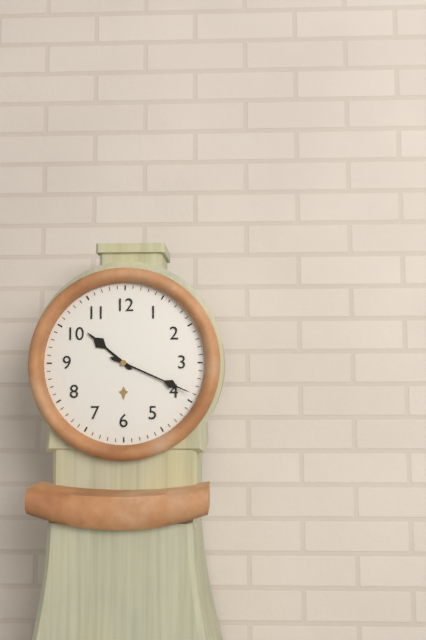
10.19
